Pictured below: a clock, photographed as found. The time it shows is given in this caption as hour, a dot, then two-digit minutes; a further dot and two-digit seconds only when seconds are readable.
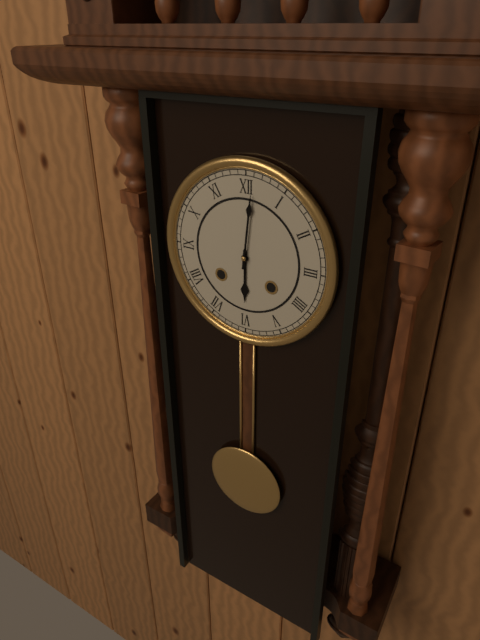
6.01
